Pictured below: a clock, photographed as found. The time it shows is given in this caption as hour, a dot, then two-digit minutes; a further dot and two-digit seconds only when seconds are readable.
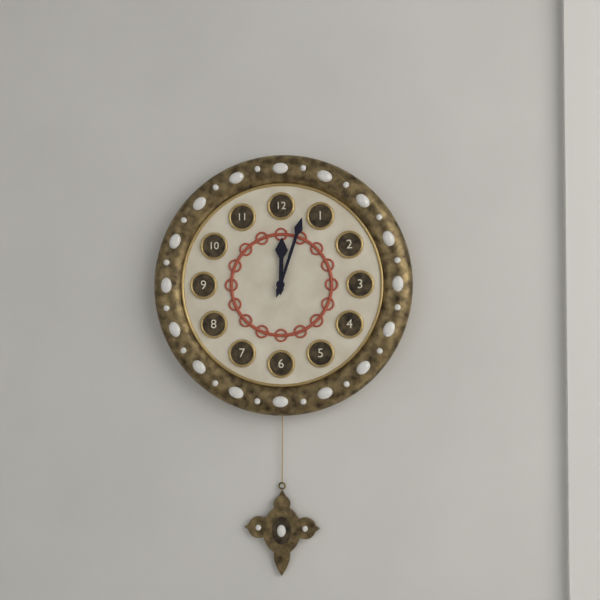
12.03
